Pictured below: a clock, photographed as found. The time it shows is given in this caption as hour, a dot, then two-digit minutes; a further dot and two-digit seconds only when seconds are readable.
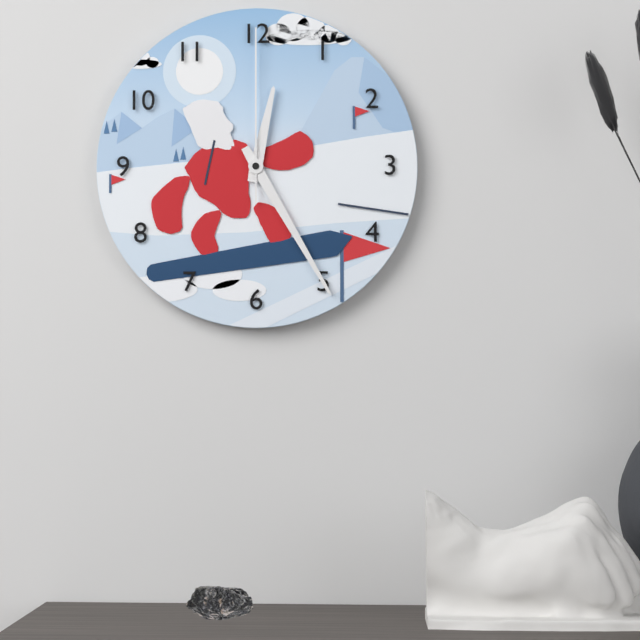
12.25.00
